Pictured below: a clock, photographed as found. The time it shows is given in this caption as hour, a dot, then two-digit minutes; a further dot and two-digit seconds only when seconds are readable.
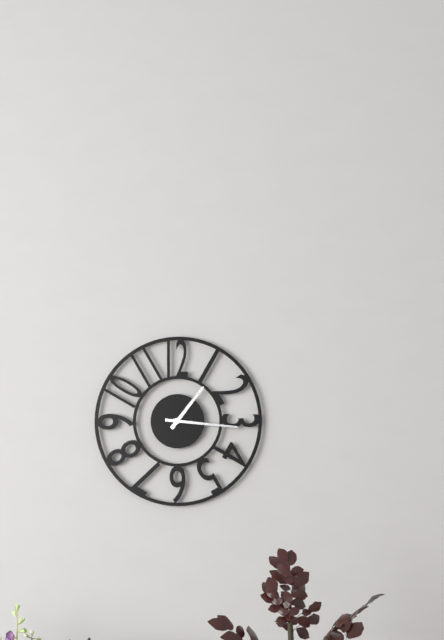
1.16
